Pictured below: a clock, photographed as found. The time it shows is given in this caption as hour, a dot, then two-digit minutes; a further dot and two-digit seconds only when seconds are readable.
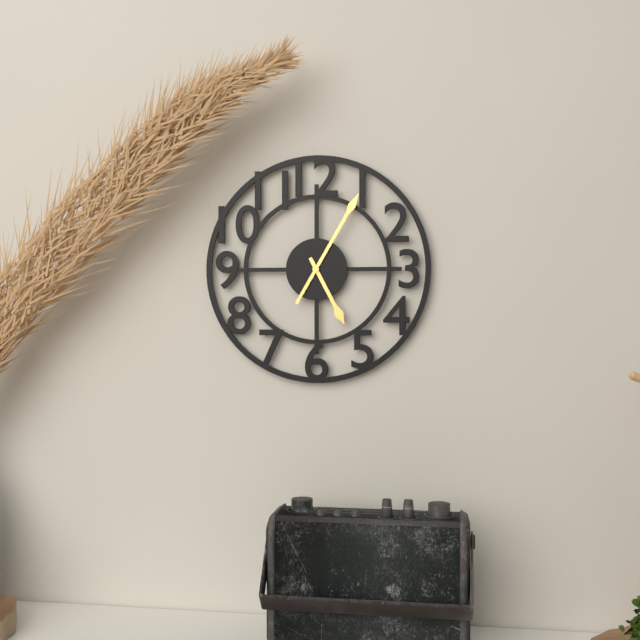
5.05
